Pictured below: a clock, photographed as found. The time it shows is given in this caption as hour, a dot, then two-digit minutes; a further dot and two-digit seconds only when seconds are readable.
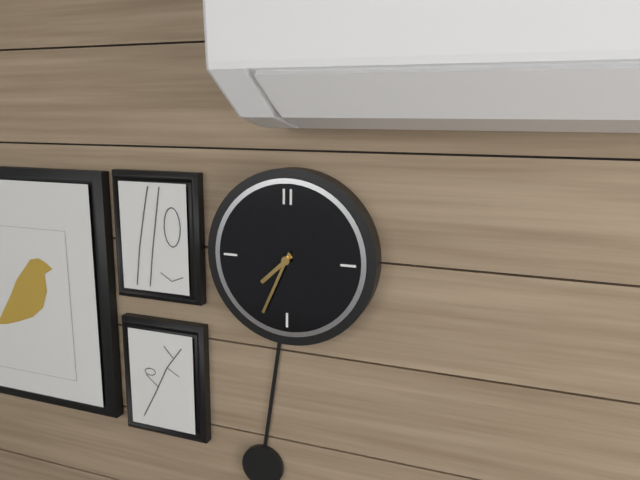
7.34
